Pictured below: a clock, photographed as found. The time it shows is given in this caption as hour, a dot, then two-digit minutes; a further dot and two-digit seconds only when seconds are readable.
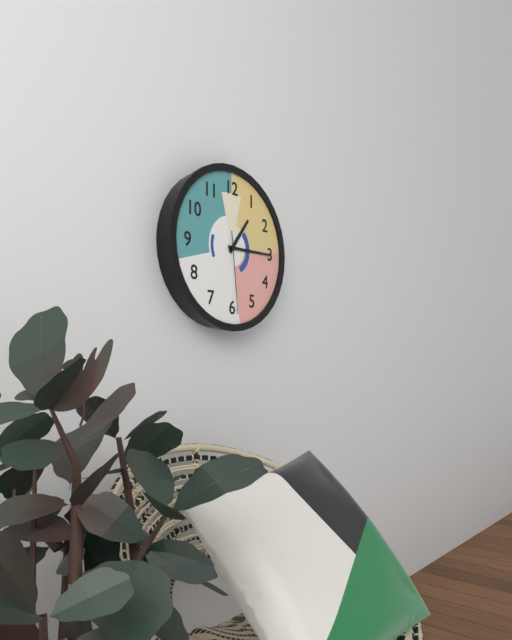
1.15.29
